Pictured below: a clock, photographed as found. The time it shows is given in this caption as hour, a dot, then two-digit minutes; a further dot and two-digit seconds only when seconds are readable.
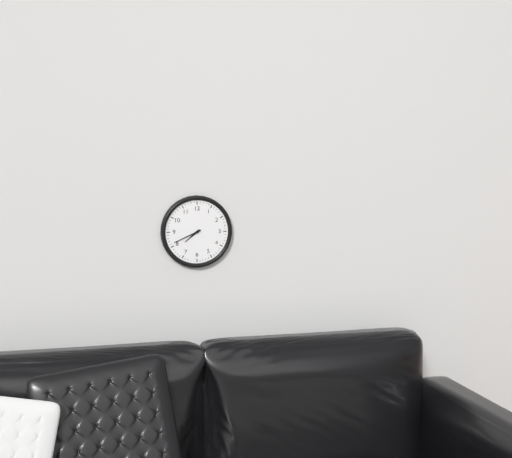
7.41
